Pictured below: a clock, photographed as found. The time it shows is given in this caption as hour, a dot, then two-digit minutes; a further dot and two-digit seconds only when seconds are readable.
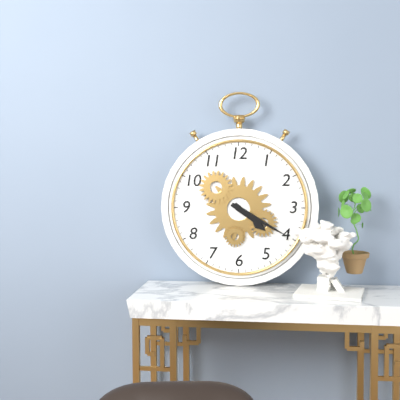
4.20
